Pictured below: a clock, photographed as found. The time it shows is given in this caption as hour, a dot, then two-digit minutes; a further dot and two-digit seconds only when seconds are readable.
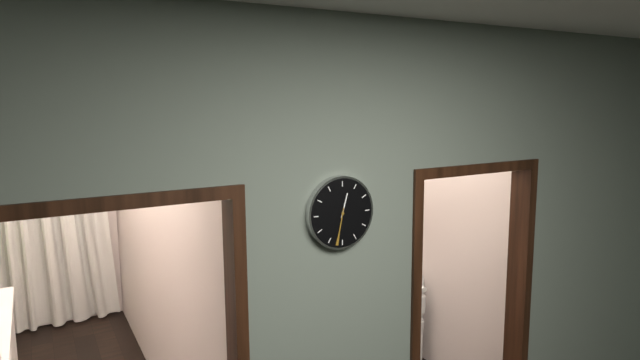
12.32
